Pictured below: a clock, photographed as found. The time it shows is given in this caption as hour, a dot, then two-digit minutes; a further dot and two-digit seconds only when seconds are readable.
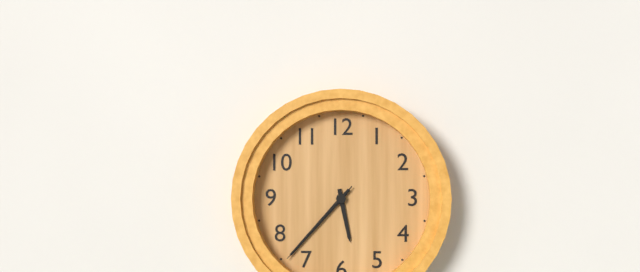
5.37.37
